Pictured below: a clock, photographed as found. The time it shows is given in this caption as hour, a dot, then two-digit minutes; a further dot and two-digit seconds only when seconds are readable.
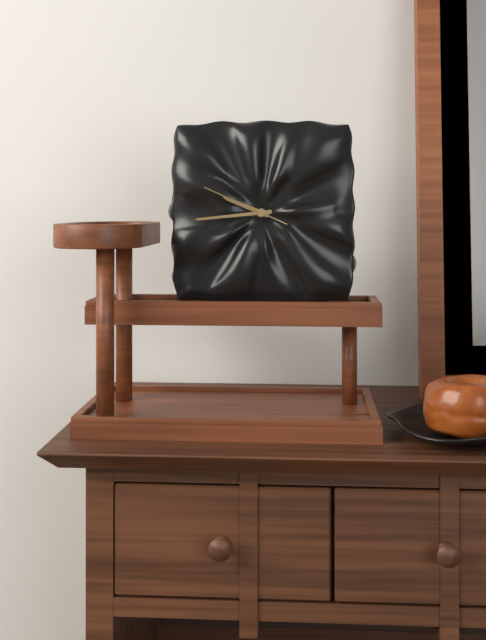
9.44.49
